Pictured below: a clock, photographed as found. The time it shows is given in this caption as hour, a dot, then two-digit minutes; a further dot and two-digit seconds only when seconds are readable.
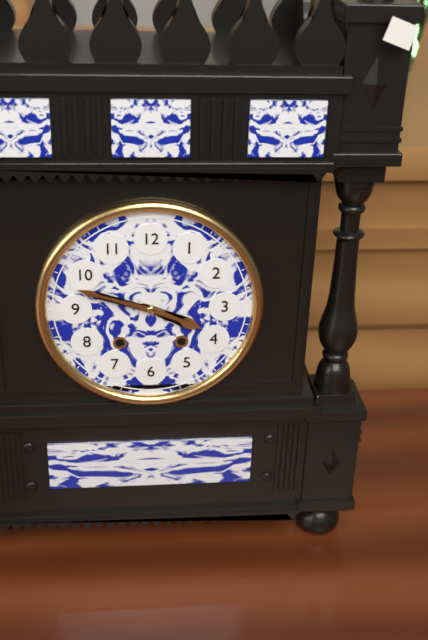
3.48
